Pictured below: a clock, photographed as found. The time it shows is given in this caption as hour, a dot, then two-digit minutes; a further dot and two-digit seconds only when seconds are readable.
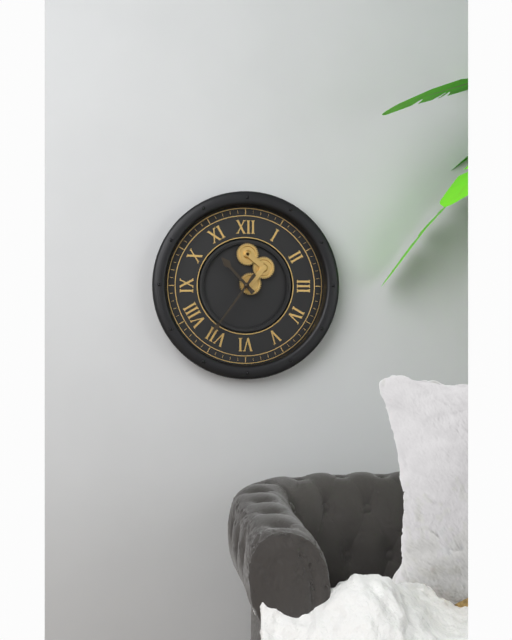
10.36
